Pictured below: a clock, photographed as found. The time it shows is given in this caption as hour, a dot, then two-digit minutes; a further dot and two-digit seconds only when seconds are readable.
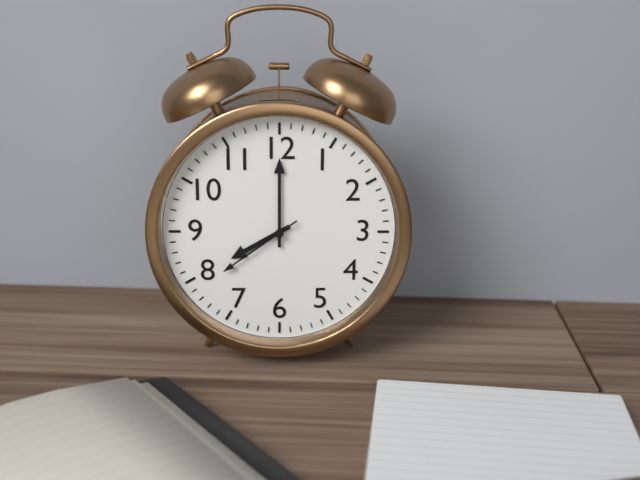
8.00.39
